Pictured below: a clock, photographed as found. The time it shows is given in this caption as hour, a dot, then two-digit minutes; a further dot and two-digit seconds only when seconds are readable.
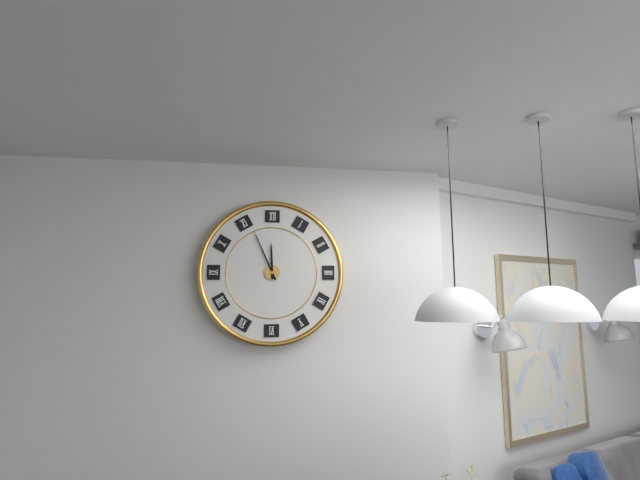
11.56
